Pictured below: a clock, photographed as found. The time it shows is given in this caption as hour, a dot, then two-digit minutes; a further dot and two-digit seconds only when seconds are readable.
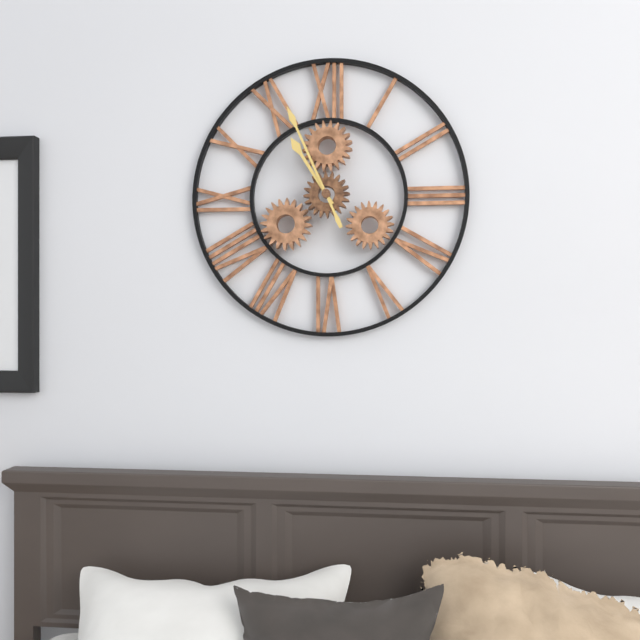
10.56
